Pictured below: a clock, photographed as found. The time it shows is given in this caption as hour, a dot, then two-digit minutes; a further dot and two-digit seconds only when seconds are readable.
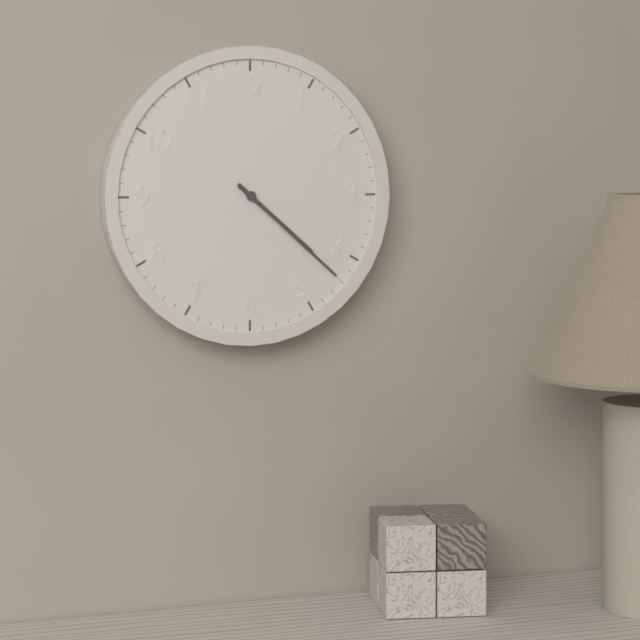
4.22
